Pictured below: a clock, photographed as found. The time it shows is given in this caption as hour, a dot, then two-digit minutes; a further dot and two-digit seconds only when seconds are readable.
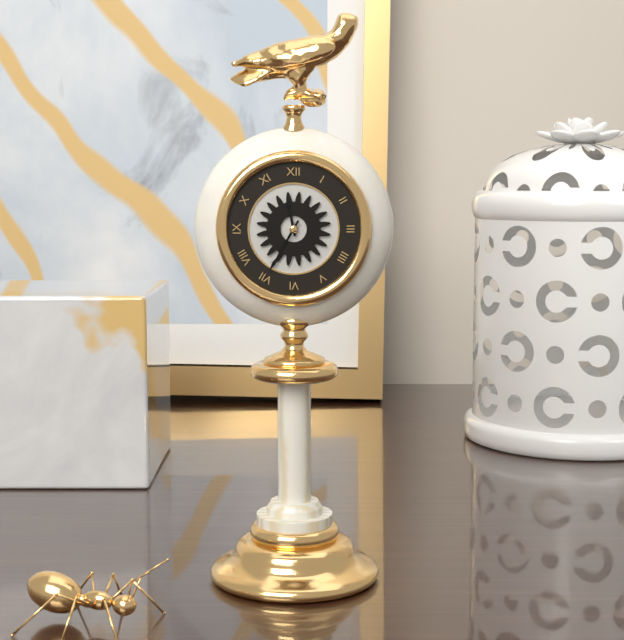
11.35
